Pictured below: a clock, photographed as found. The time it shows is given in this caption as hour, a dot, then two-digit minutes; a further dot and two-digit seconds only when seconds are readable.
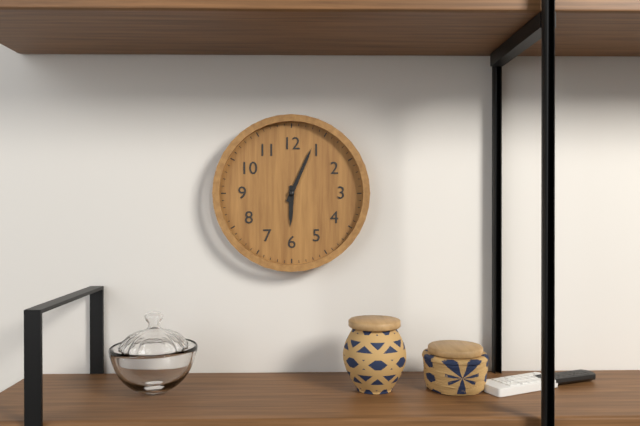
6.04
